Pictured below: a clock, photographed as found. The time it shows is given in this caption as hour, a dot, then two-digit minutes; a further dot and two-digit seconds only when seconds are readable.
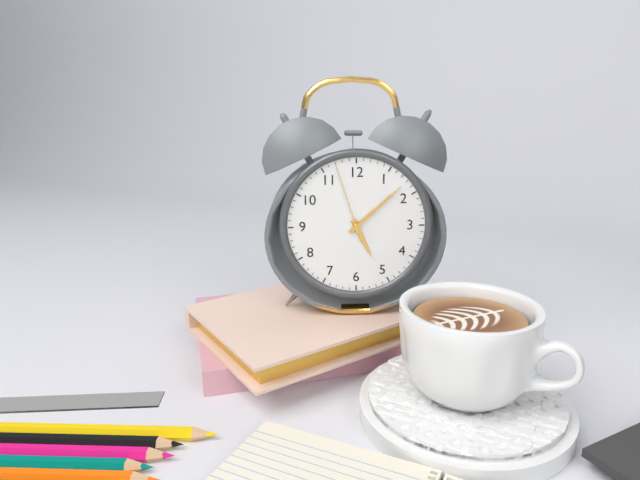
5.08.57
